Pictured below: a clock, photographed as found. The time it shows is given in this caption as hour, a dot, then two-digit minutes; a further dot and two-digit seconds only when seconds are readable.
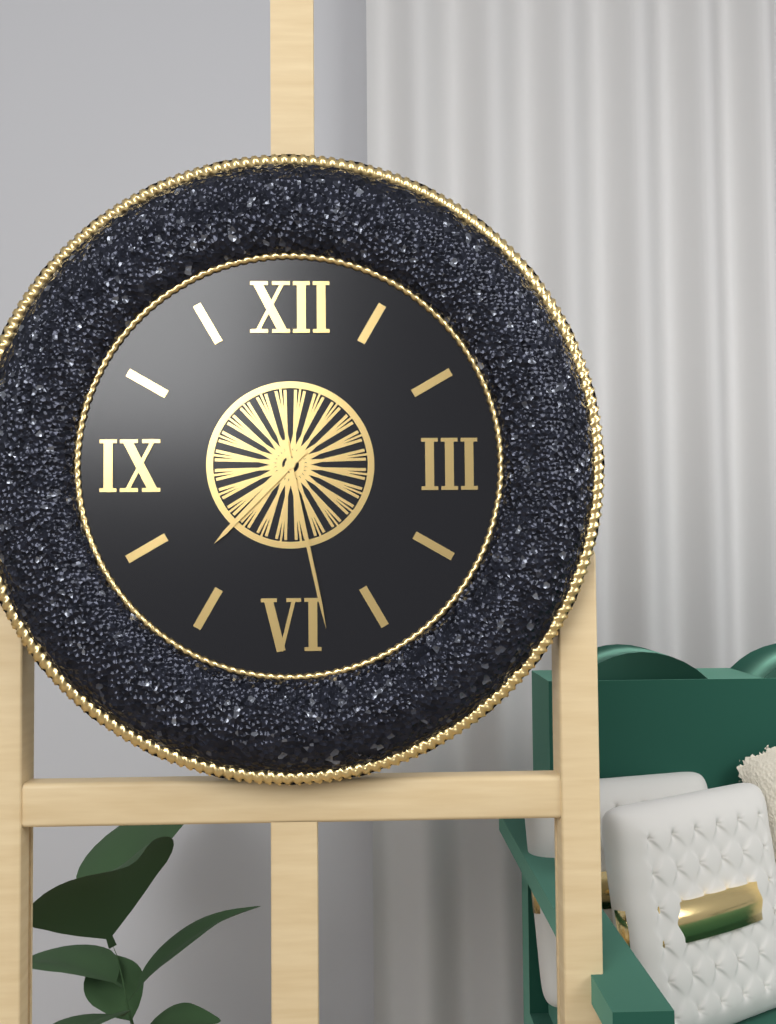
7.28
